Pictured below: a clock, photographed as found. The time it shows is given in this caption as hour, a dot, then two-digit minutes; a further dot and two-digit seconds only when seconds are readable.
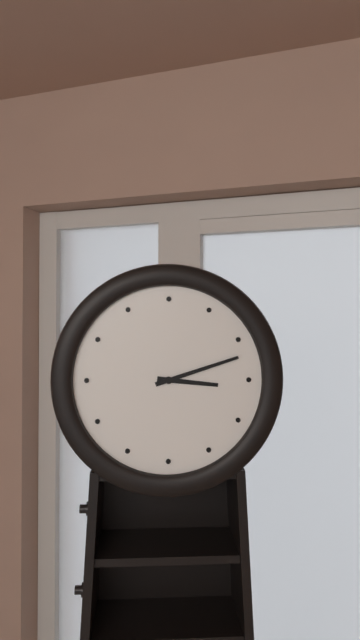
3.12
